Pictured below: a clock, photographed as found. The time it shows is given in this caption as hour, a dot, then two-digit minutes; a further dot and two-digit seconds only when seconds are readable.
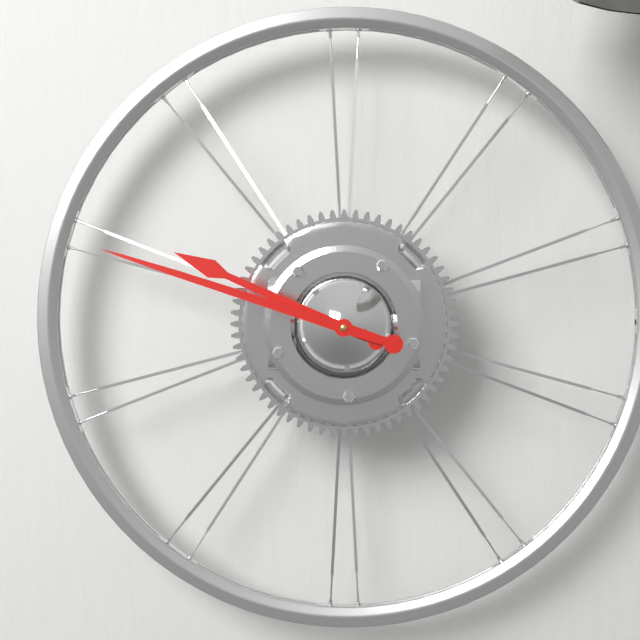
9.48
